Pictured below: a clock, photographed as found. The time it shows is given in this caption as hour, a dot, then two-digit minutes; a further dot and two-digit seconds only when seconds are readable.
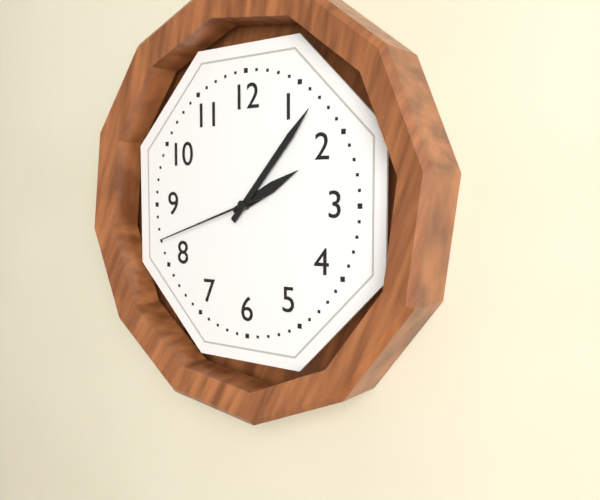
2.07.42
